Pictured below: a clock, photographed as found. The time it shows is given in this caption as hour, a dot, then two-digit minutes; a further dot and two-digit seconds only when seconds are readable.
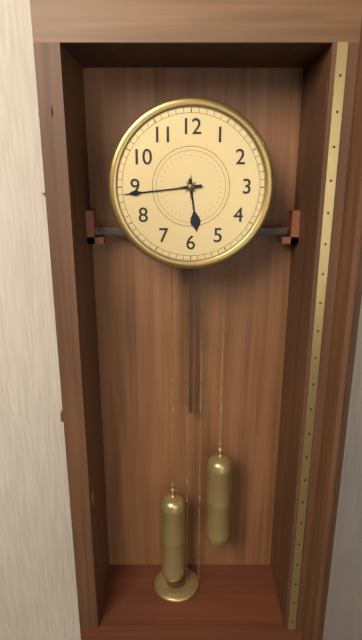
5.44
